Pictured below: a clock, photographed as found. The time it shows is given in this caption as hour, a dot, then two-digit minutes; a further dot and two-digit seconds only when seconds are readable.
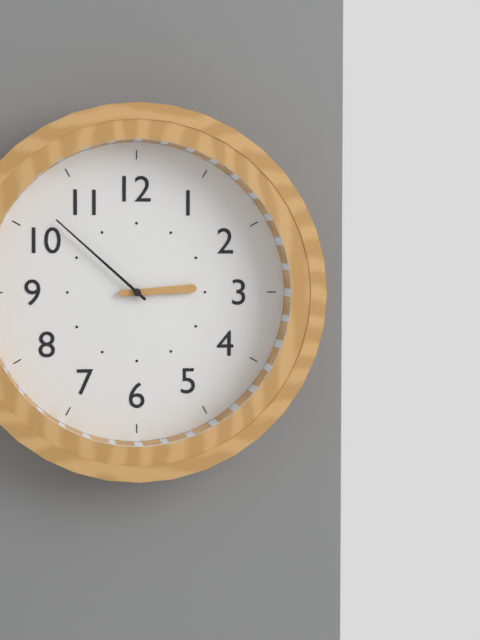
2.52
